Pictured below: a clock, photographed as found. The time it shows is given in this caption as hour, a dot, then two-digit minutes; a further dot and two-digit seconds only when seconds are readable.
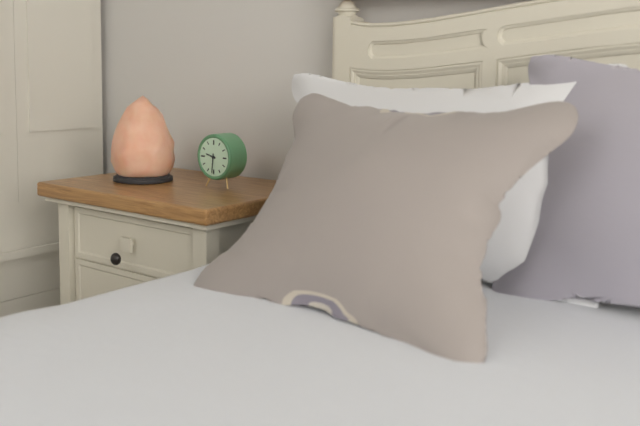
9.31
